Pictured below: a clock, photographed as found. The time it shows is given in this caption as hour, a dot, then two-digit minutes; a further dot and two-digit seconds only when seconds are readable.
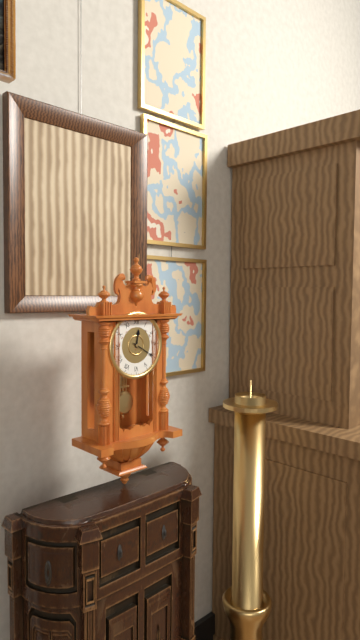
12.20
